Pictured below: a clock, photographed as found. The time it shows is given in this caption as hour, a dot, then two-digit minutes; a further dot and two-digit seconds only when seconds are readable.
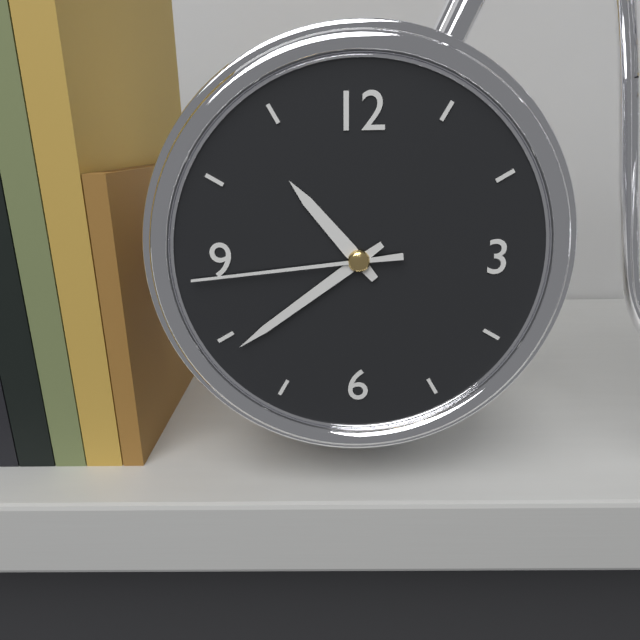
10.39.44
